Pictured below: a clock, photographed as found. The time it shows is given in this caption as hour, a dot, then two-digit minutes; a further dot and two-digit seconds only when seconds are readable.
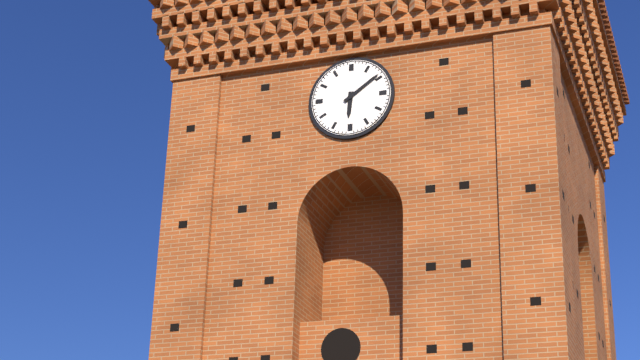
6.09
